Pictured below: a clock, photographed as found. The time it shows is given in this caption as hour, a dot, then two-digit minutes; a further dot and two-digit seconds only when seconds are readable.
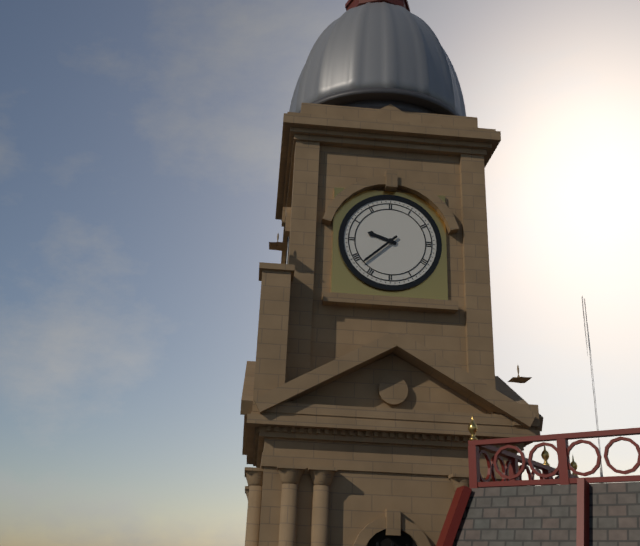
9.38
